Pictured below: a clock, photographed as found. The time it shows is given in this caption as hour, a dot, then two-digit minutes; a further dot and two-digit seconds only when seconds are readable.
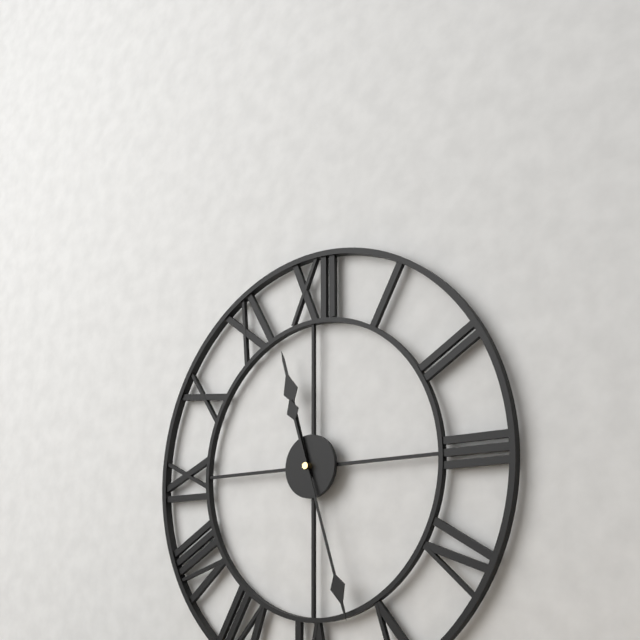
11.27
